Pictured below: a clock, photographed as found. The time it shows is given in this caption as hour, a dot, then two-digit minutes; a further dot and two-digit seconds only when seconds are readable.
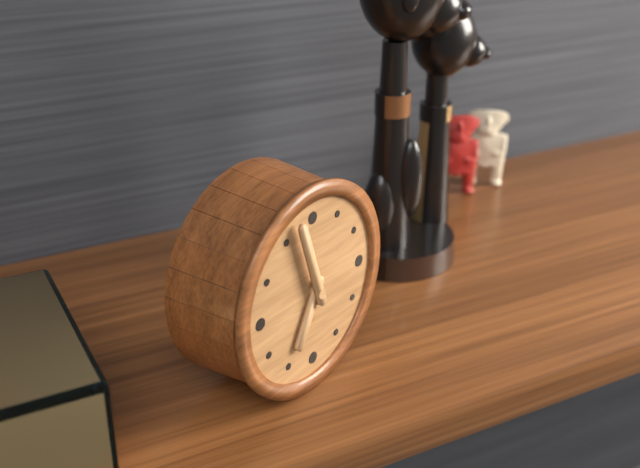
6.57
